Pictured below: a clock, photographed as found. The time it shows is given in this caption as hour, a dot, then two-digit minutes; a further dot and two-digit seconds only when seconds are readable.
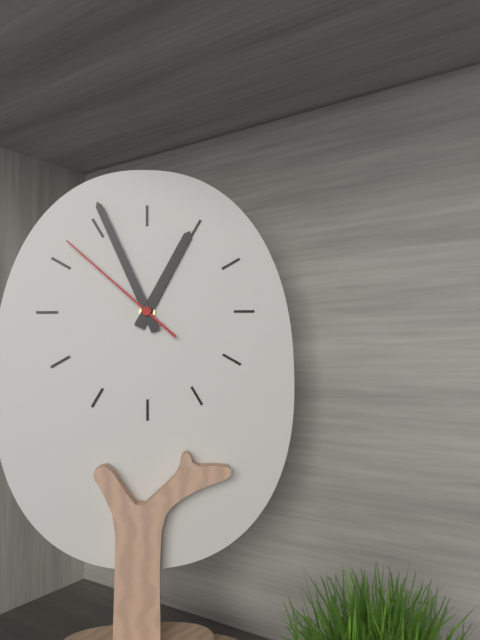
12.56.52
